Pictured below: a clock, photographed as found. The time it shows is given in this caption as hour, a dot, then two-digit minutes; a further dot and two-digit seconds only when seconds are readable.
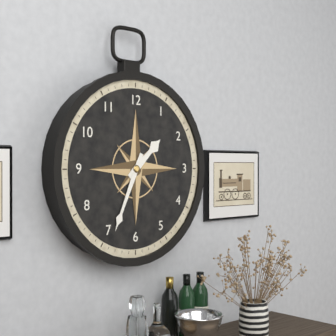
1.34
